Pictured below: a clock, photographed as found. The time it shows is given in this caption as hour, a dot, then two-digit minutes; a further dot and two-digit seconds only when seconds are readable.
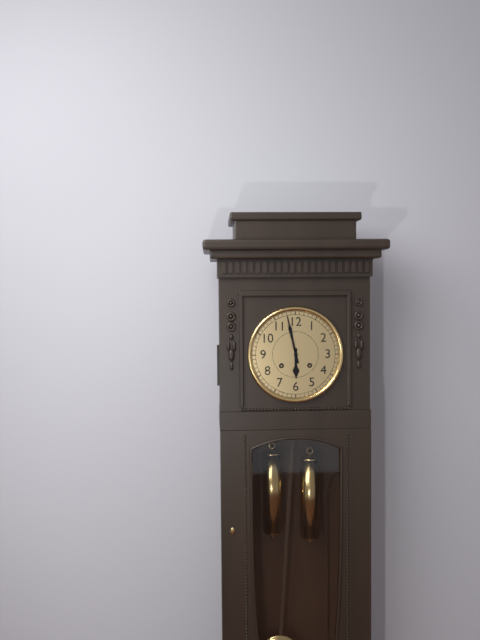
5.58
